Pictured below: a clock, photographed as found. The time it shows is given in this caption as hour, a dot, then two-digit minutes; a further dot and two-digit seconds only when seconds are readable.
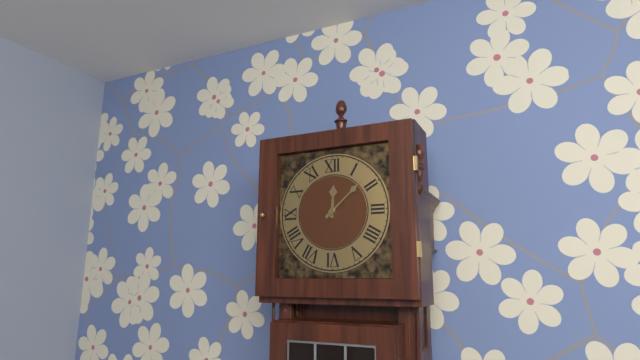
12.08
